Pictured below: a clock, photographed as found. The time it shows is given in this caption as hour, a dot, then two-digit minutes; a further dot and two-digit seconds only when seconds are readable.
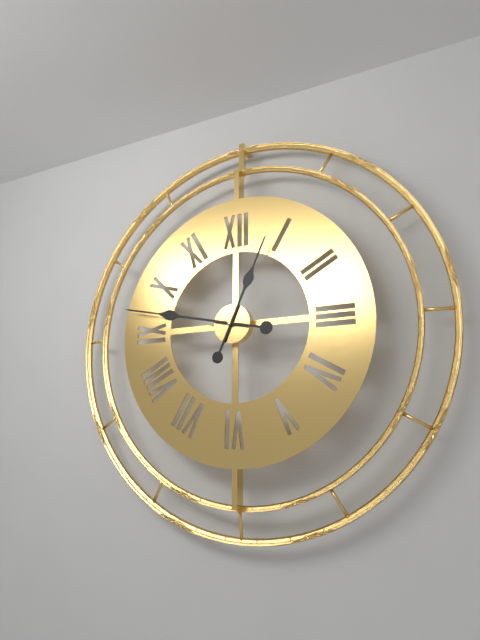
12.47
